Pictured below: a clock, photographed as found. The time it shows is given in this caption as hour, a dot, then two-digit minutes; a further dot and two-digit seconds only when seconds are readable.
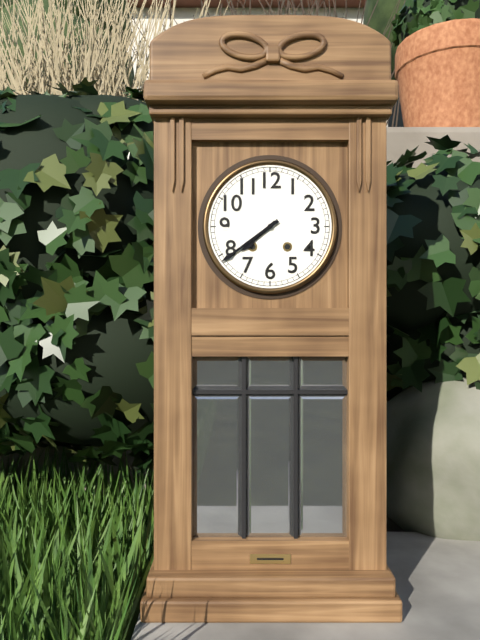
7.39
